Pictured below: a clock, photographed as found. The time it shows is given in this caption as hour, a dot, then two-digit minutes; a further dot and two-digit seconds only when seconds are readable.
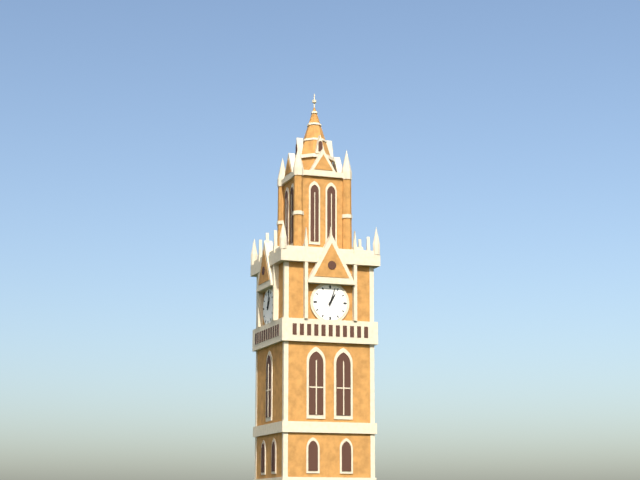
1.03
